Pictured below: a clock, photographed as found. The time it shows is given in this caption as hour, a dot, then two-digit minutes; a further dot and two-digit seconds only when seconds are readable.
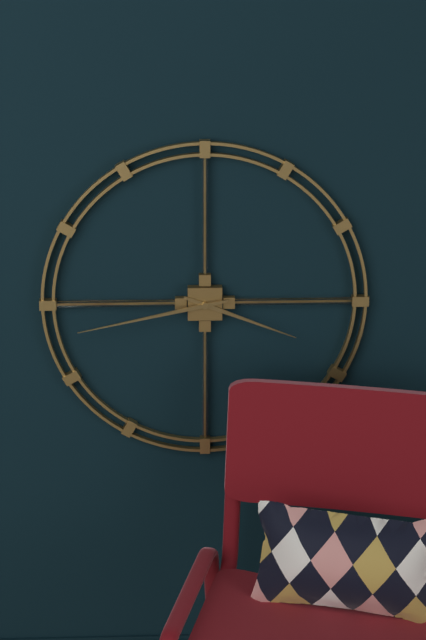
3.43
